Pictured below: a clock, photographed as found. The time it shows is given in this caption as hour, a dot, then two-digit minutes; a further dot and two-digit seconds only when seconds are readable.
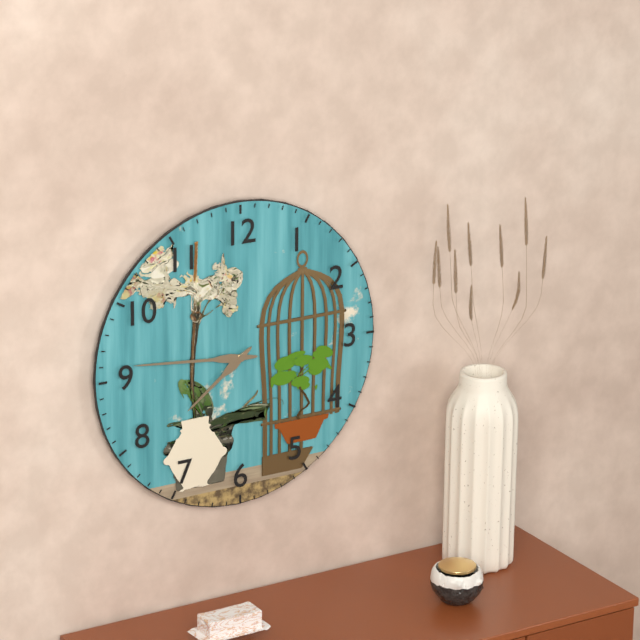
7.46
